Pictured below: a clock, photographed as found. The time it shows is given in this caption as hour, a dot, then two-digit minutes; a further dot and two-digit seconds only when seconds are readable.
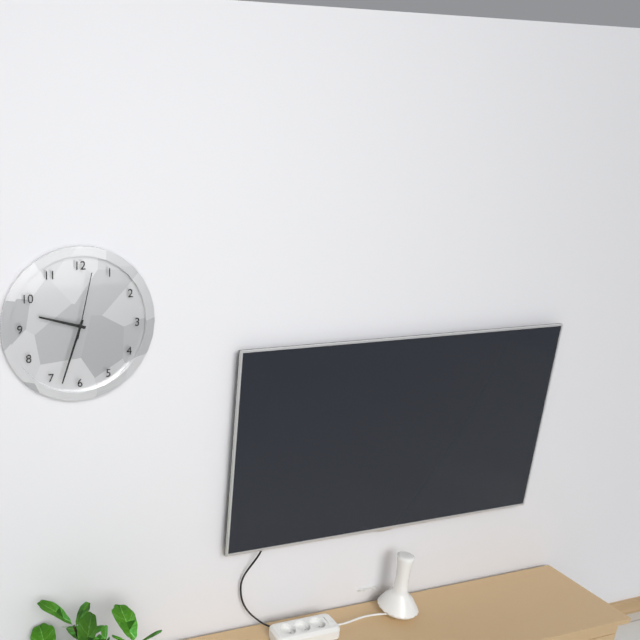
9.33.02
